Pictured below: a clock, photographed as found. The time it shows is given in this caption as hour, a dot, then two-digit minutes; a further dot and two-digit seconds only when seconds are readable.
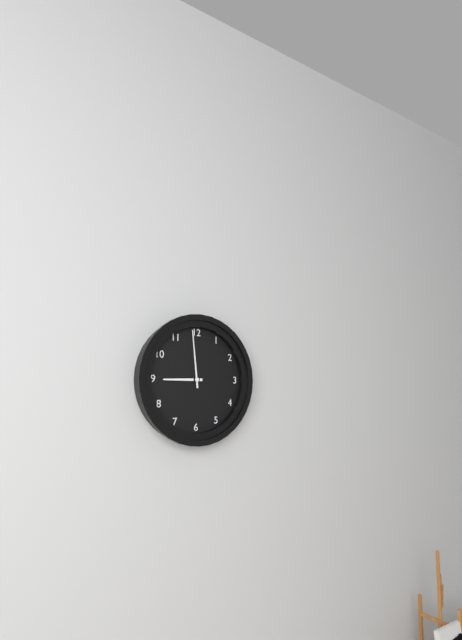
8.59
